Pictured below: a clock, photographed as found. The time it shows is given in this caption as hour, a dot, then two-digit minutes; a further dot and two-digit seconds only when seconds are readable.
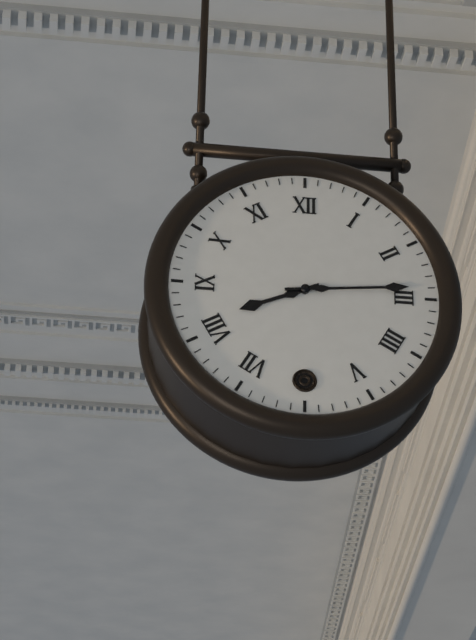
8.14
